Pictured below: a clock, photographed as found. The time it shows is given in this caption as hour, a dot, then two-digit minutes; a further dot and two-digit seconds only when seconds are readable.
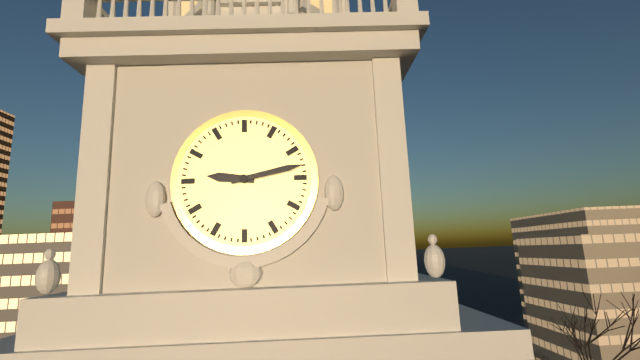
9.13
